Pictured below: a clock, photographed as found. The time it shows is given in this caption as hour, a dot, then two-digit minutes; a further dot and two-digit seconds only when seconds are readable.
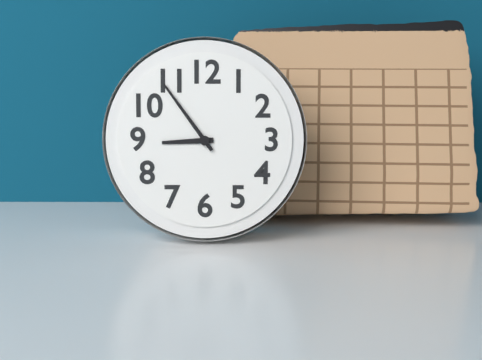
8.54
